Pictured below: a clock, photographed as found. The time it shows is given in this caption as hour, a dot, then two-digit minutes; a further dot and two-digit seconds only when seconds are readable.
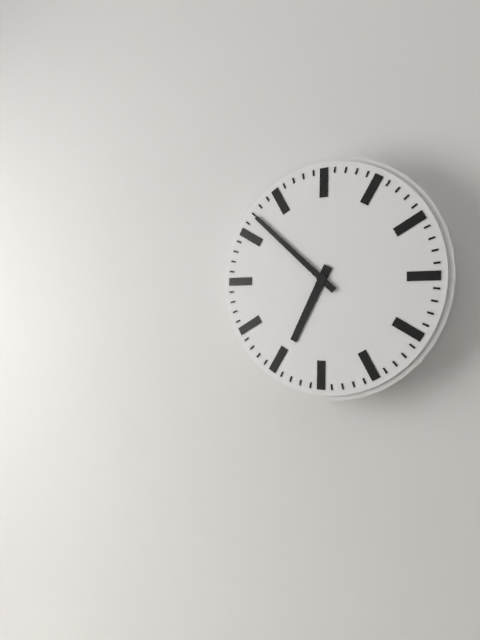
6.52
